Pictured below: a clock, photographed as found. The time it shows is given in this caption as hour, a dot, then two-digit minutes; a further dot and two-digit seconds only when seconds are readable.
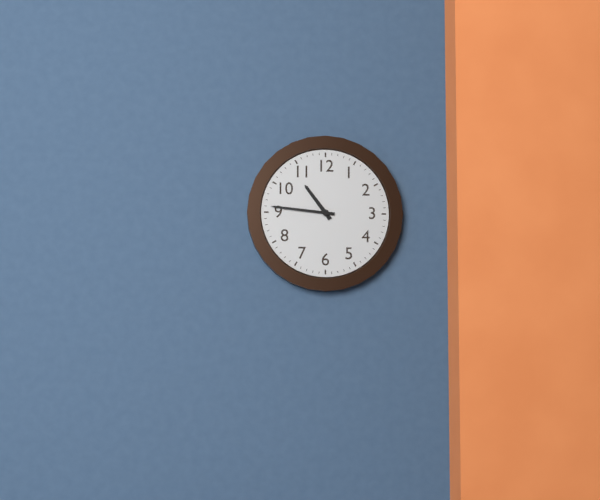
10.46
